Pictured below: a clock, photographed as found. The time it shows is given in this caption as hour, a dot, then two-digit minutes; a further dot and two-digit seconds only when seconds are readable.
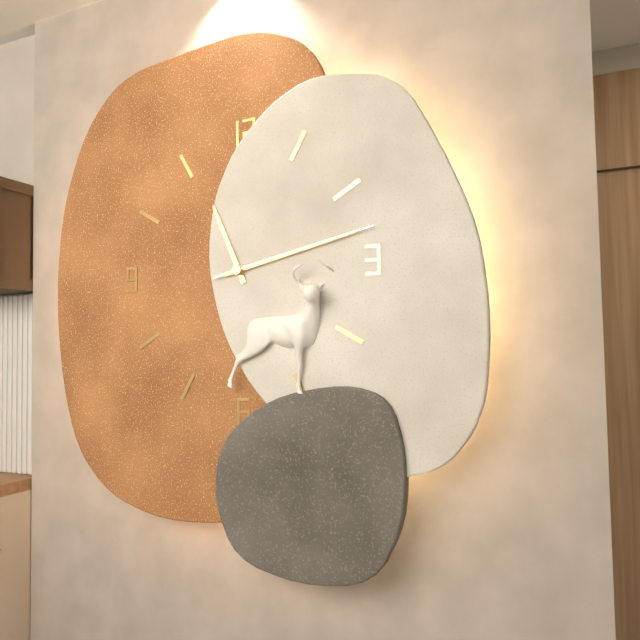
11.13.13
